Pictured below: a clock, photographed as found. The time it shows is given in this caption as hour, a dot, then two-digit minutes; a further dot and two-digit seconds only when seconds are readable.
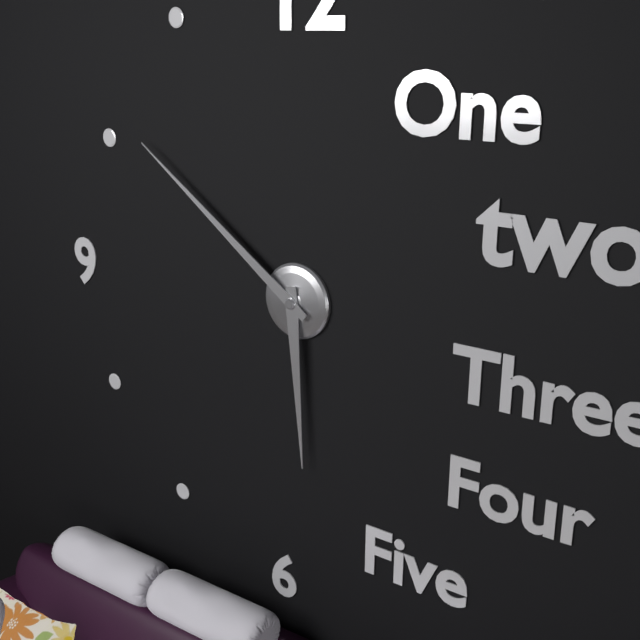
5.51
